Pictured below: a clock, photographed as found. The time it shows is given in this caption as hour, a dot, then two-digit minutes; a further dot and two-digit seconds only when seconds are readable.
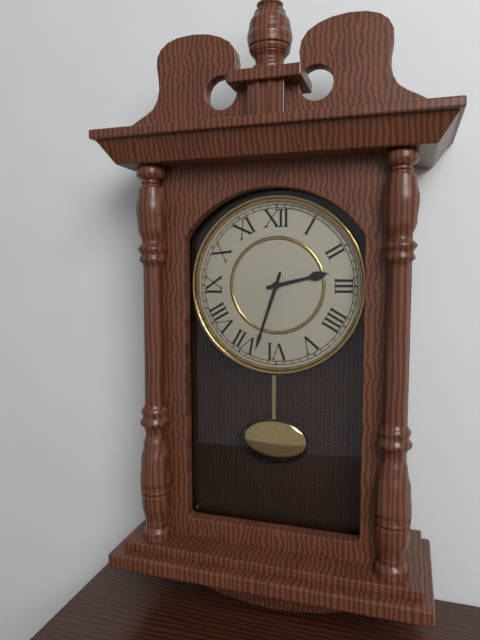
2.33
